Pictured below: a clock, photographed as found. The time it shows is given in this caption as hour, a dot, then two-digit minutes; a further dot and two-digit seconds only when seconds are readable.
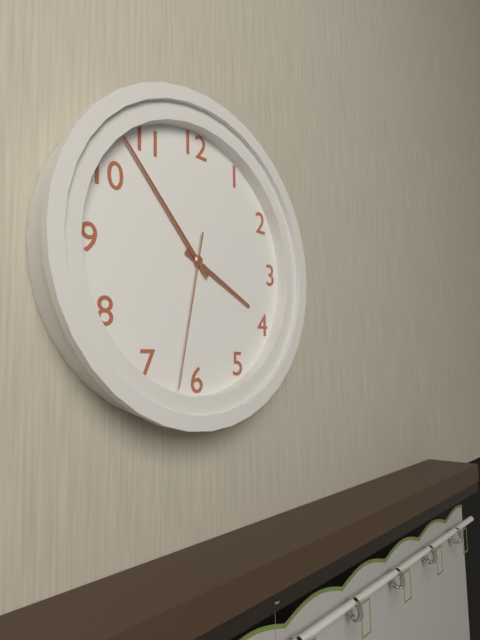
3.53.32
